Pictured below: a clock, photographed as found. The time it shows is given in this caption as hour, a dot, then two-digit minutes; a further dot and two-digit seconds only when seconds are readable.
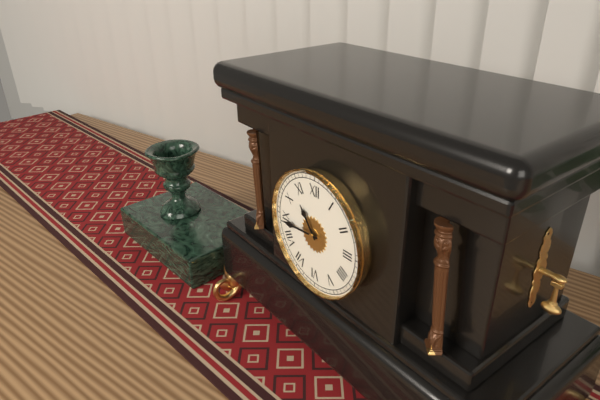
10.44
